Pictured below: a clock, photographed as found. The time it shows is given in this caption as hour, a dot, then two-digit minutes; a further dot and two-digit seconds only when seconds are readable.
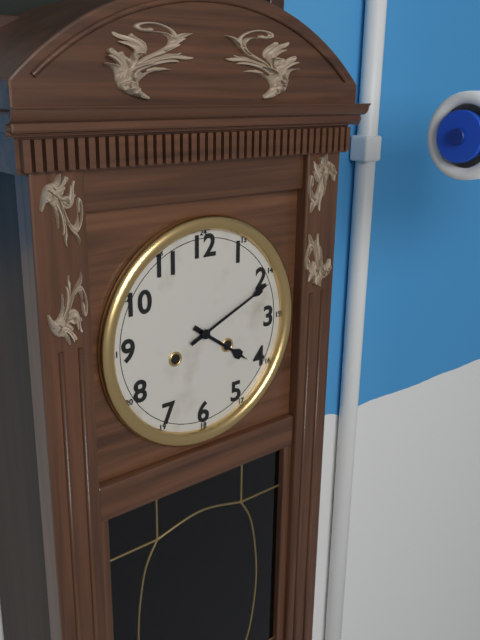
4.11
